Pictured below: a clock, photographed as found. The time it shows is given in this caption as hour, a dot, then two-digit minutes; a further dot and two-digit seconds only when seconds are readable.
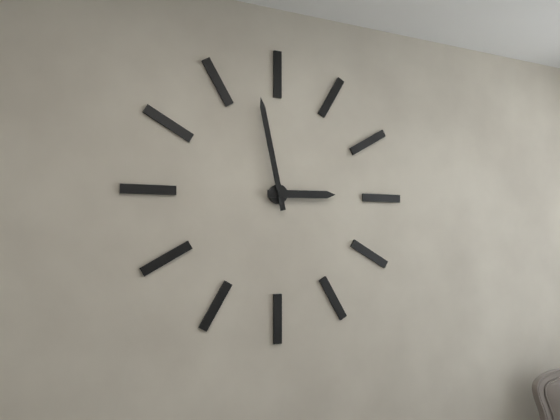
2.58
